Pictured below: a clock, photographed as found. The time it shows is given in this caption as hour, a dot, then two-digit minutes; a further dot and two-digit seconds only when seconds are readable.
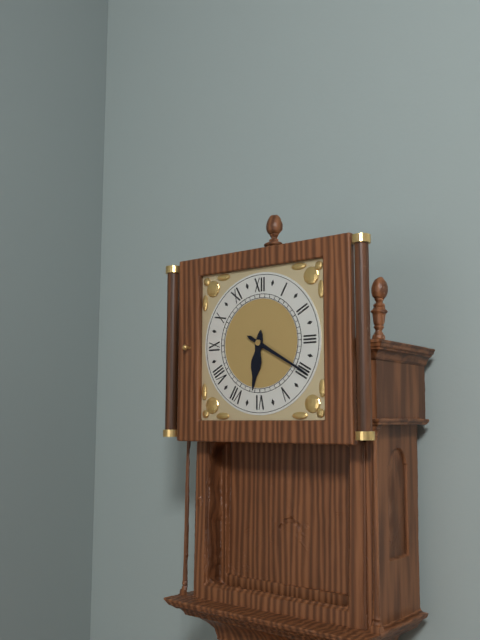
6.20
